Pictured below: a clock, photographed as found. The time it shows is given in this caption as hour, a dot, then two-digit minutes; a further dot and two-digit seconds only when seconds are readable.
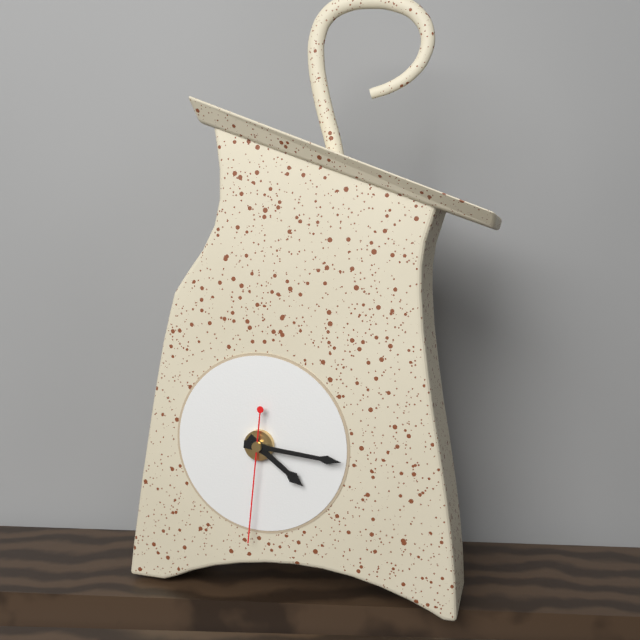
4.16.31
